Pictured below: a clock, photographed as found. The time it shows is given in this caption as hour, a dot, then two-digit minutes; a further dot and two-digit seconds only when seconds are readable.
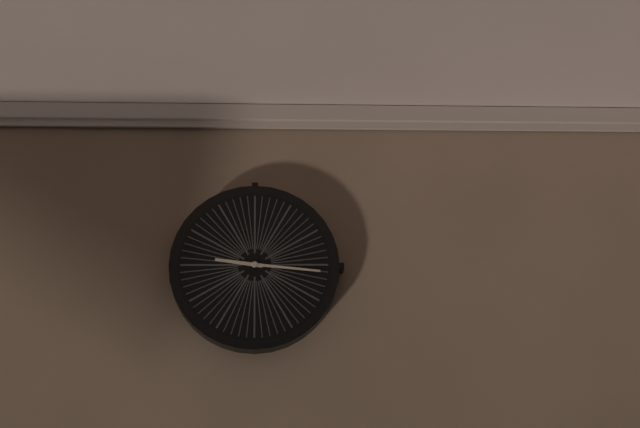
9.16
